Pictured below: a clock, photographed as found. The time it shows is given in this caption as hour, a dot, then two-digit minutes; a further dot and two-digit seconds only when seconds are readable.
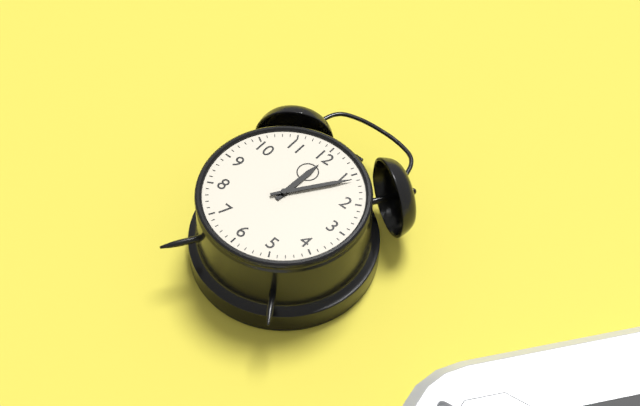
12.06
